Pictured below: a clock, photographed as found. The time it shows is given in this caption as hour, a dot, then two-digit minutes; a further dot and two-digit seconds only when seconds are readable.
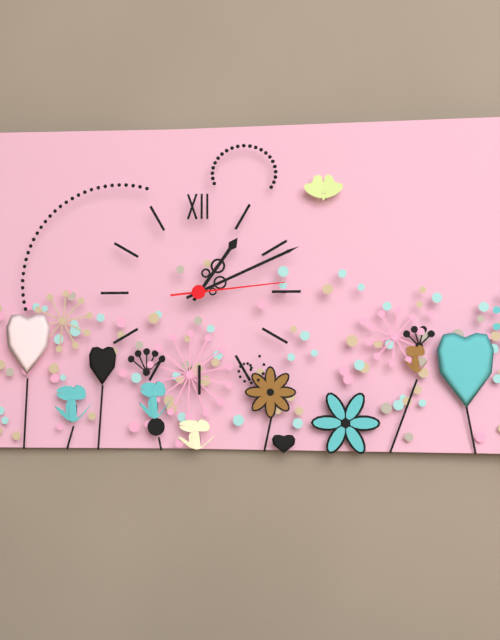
1.11.14
